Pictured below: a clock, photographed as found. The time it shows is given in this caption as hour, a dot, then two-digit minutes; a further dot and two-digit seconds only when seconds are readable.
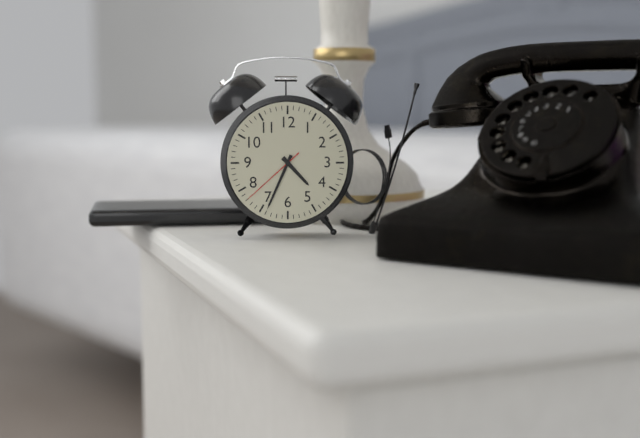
4.34.38
